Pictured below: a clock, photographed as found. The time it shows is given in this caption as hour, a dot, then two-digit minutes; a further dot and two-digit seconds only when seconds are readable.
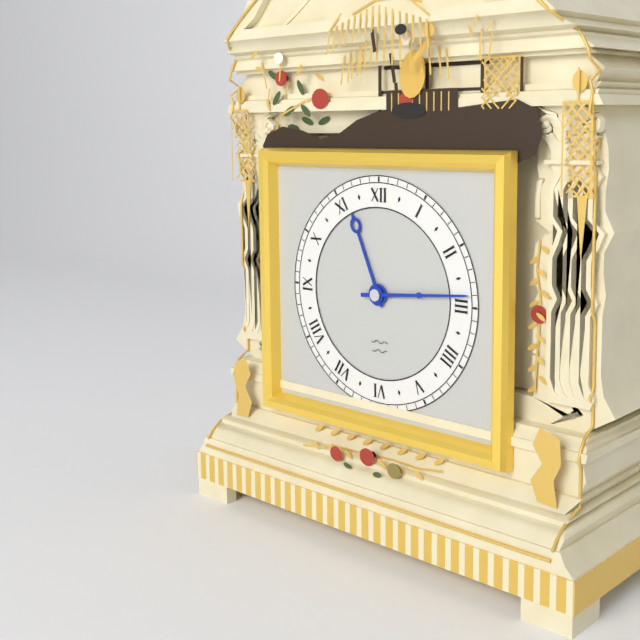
11.14
